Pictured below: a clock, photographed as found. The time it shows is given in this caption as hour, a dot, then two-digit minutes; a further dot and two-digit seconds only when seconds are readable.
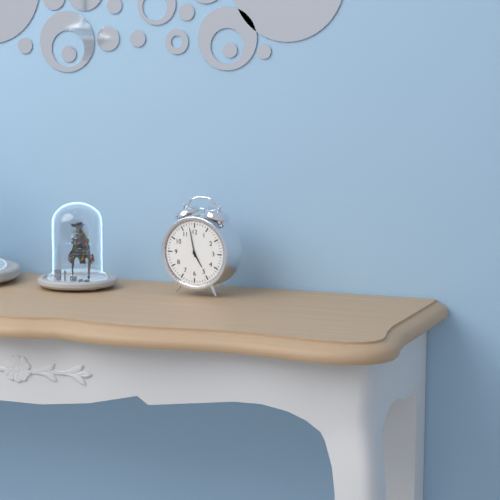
4.58
